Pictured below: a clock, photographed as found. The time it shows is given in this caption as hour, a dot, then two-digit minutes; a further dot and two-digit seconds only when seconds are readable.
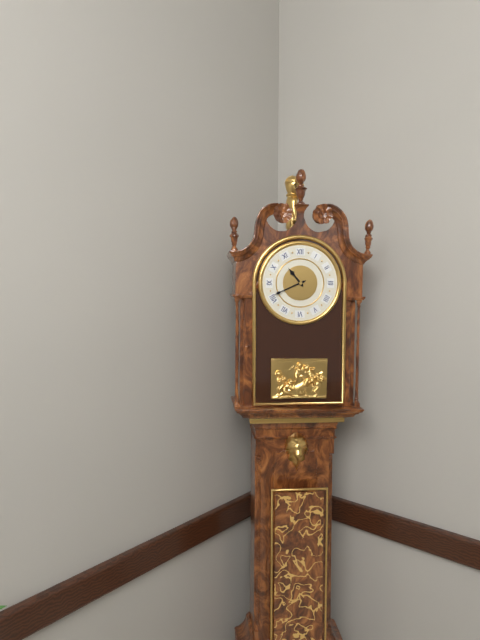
10.41
